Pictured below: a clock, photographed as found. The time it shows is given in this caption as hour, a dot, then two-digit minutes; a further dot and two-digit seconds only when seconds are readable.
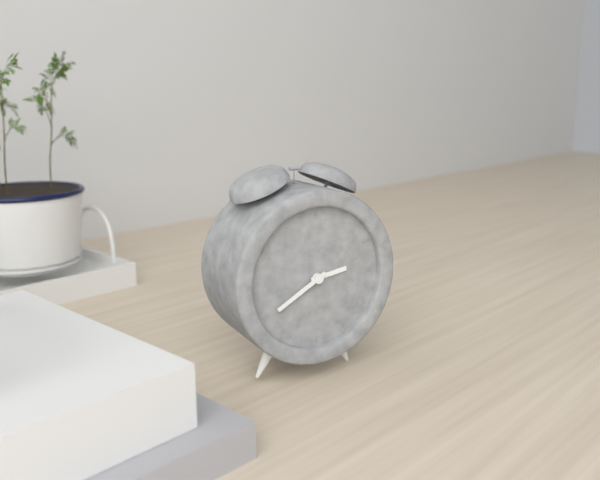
2.40
